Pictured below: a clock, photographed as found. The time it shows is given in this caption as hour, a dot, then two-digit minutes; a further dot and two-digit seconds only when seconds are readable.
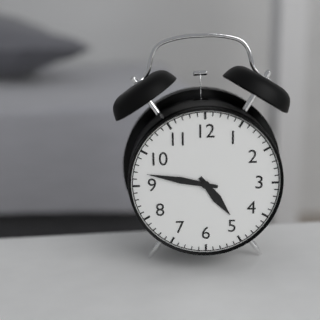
4.47
